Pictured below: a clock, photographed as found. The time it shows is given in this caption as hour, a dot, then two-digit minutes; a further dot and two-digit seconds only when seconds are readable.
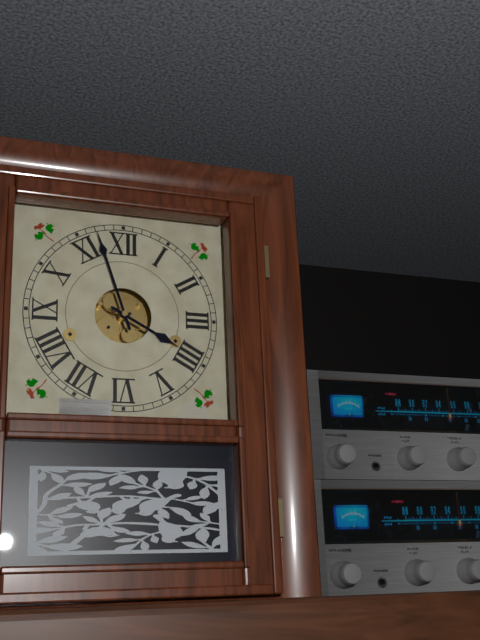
3.57
